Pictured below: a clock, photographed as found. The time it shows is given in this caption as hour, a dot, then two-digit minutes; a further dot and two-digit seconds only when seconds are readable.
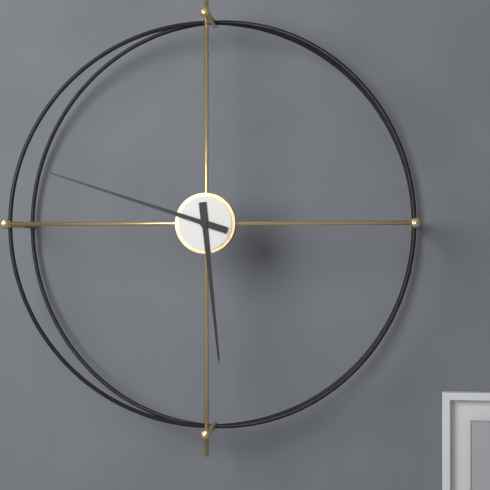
5.48
